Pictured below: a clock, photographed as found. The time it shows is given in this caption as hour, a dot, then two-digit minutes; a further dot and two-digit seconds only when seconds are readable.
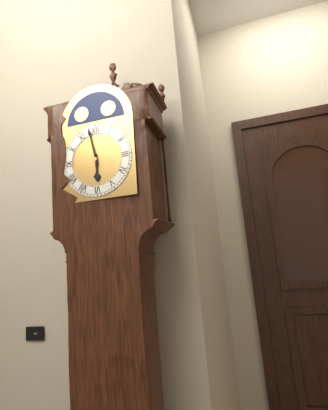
5.58
